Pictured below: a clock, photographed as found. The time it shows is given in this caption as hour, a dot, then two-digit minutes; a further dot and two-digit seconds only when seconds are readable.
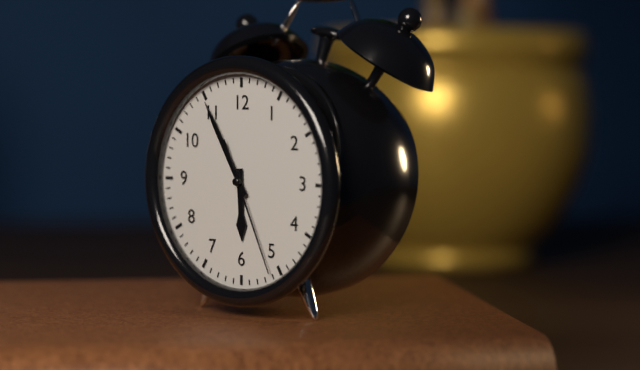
5.55.26
